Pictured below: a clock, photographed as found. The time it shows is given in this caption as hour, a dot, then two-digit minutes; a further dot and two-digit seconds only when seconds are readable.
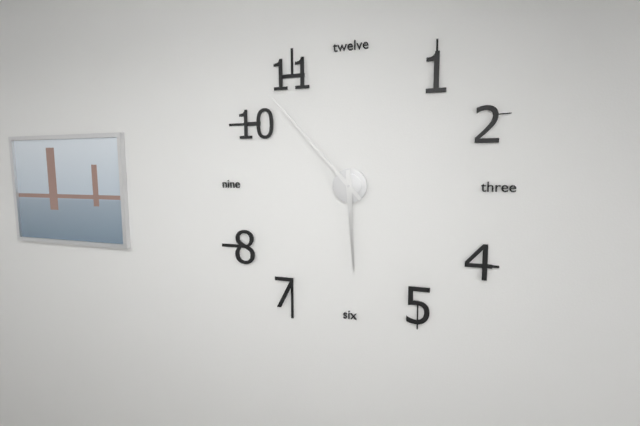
5.53
